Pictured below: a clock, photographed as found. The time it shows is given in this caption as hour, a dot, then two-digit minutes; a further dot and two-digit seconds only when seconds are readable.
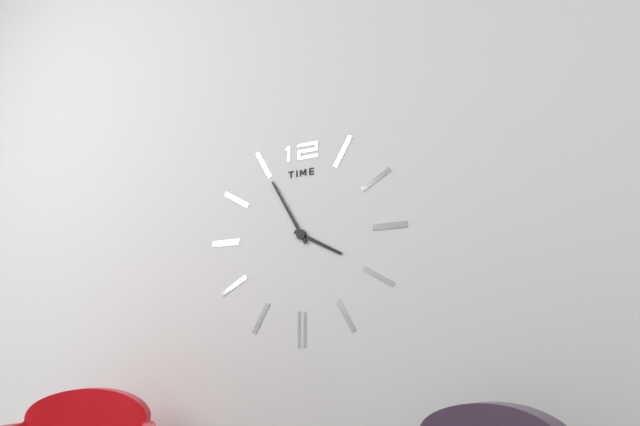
3.55
